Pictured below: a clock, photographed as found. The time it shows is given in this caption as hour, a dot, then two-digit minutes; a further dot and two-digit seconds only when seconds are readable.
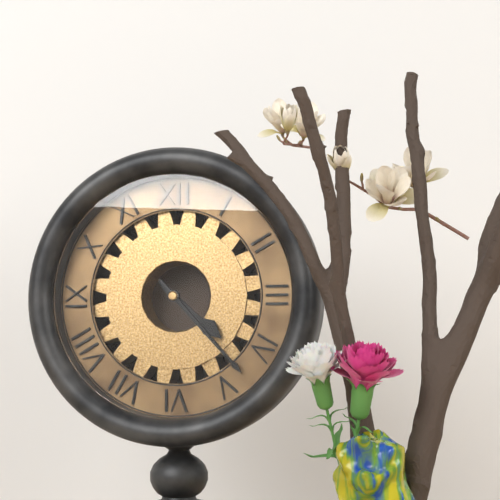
4.23
